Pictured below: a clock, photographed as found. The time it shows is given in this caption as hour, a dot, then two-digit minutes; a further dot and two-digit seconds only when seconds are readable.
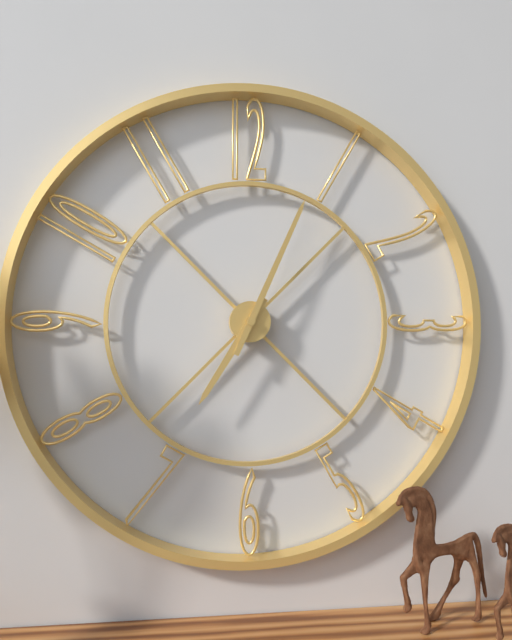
7.04
